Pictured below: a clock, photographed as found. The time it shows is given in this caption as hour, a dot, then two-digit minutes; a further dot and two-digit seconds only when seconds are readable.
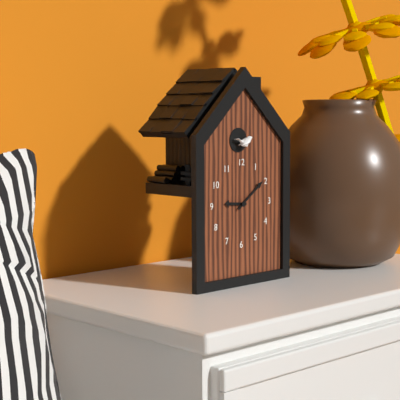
9.09
